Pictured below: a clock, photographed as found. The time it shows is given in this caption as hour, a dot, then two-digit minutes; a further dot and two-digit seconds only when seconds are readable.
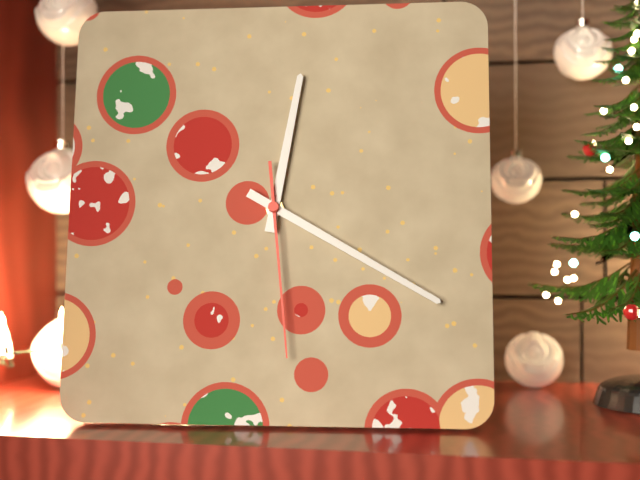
12.20.29
